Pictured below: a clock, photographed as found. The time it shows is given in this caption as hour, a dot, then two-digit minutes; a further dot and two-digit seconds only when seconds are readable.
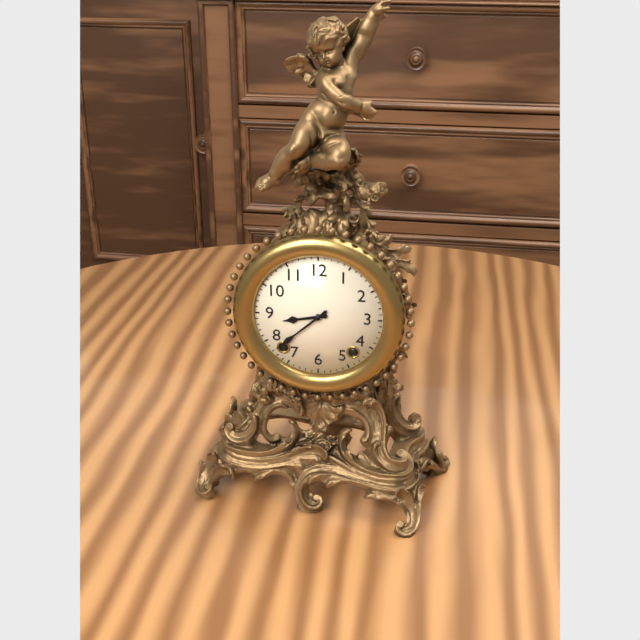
8.38
